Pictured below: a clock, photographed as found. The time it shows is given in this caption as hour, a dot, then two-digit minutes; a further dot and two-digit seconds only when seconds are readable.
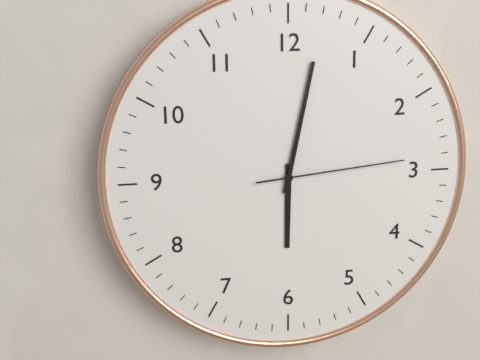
6.02.14
